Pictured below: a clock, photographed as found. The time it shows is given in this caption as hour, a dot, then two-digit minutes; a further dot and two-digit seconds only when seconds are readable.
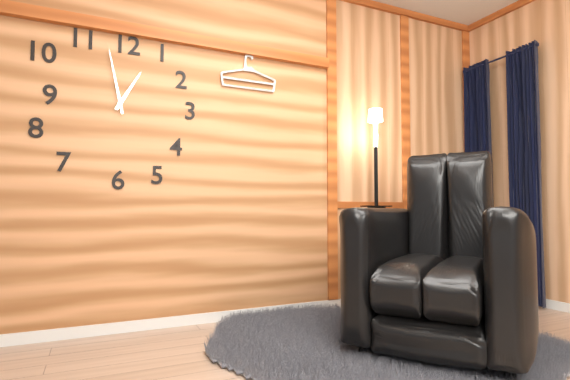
12.58
